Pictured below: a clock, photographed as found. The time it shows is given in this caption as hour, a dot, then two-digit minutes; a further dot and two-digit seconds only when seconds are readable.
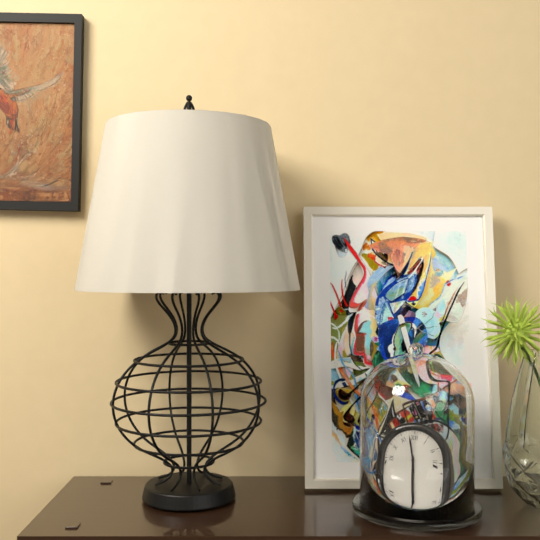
5.58
